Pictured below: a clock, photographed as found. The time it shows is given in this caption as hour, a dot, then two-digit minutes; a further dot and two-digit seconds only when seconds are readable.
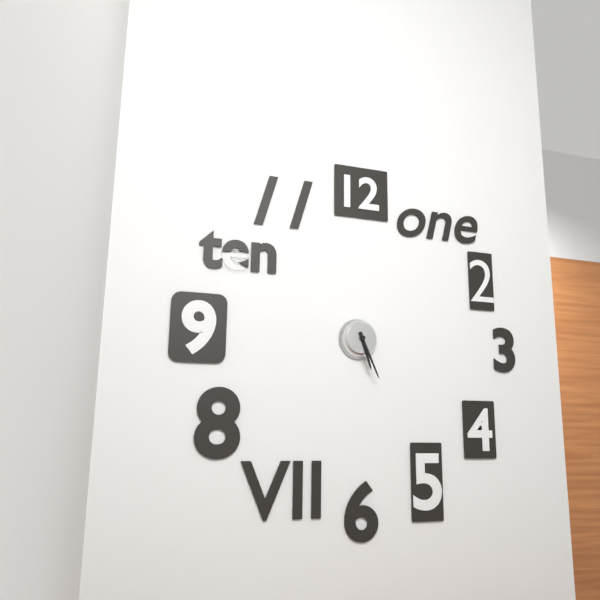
5.26
